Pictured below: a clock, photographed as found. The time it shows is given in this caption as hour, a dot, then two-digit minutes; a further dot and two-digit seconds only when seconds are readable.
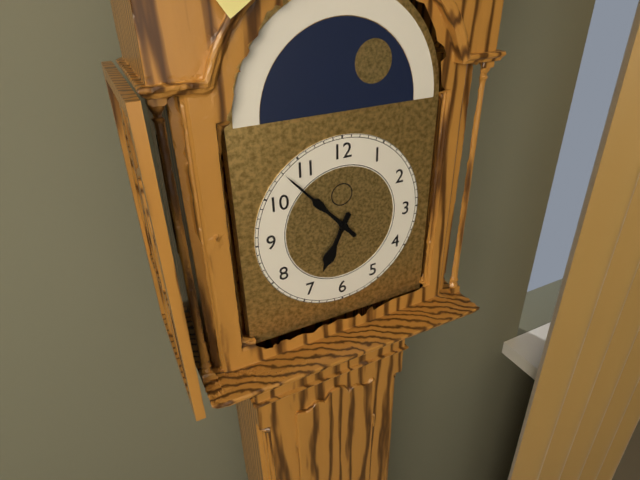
6.53
